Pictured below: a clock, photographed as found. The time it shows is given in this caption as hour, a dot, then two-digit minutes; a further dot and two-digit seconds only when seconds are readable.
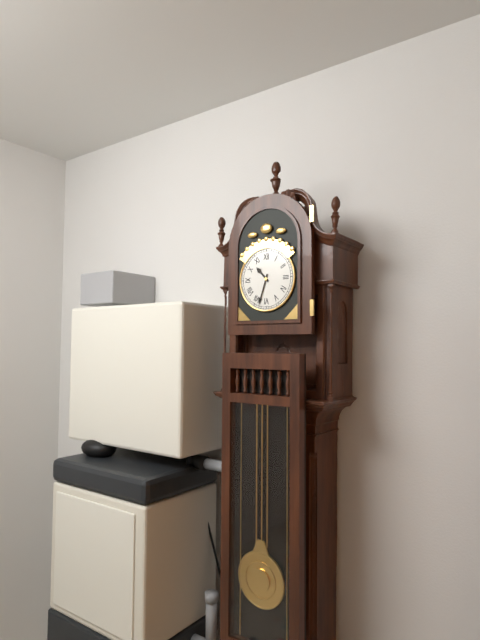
10.33
